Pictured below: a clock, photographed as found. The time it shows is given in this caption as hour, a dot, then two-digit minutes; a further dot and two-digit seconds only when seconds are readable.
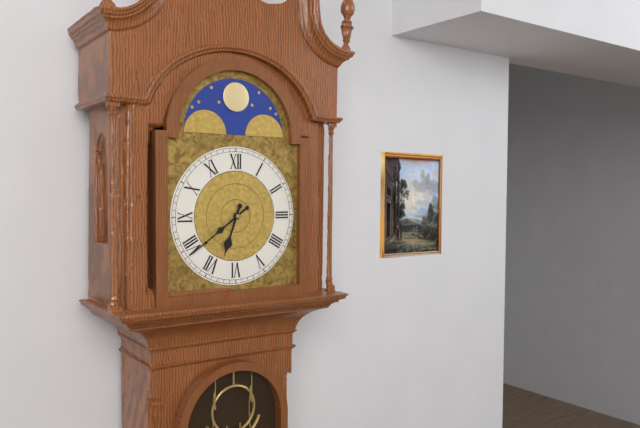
6.39
